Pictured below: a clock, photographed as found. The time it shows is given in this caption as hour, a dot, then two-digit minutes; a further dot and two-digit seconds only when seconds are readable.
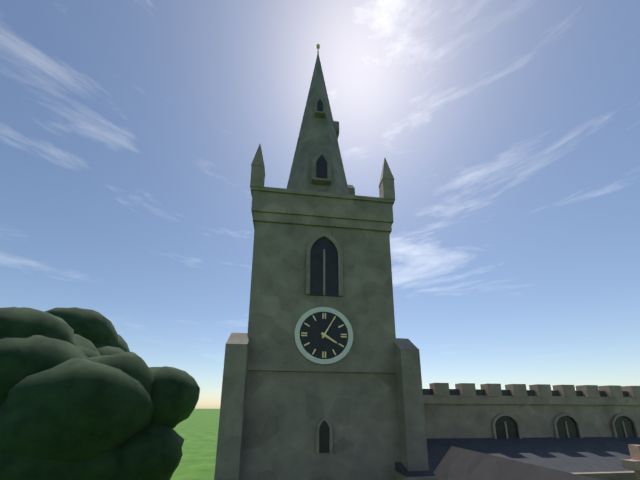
4.05
